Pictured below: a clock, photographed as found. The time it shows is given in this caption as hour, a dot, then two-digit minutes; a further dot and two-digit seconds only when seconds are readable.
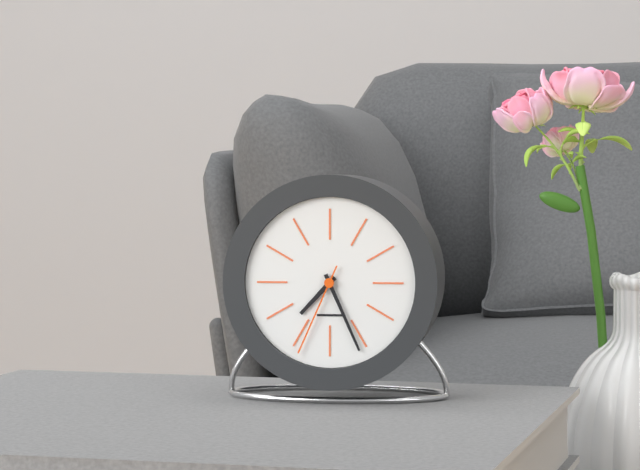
7.26.34
